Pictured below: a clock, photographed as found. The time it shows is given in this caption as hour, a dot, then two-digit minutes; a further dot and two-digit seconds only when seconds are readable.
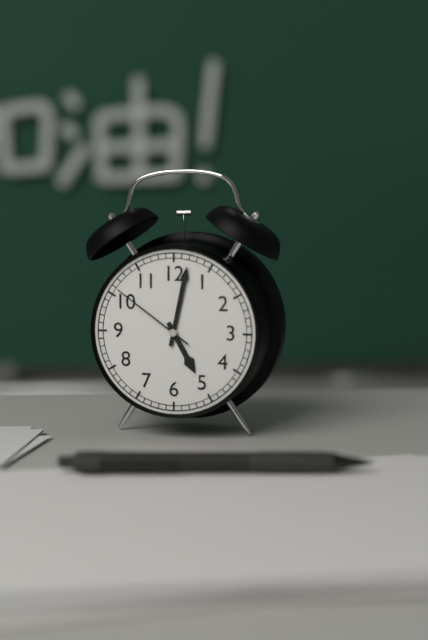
5.02.51
